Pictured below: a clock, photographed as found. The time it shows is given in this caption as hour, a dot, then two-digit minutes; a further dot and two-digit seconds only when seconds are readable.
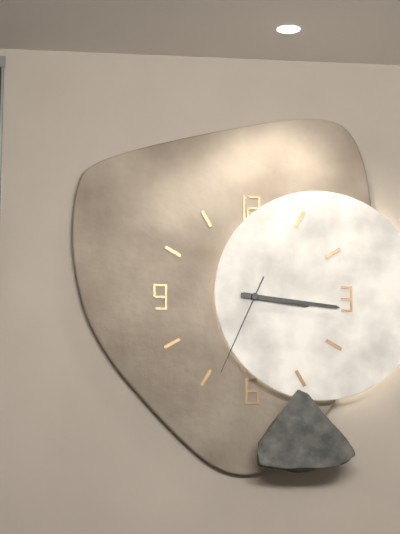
3.16.34
